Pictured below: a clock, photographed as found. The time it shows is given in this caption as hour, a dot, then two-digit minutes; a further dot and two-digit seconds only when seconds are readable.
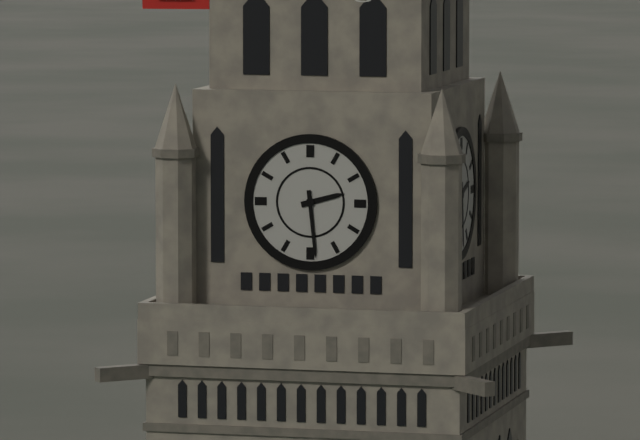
2.29
